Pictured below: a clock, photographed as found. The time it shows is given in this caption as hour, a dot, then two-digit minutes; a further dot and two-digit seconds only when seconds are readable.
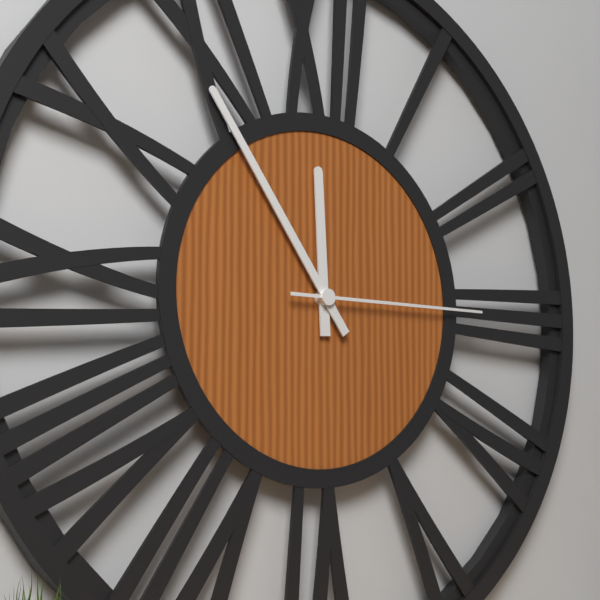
11.54.15
